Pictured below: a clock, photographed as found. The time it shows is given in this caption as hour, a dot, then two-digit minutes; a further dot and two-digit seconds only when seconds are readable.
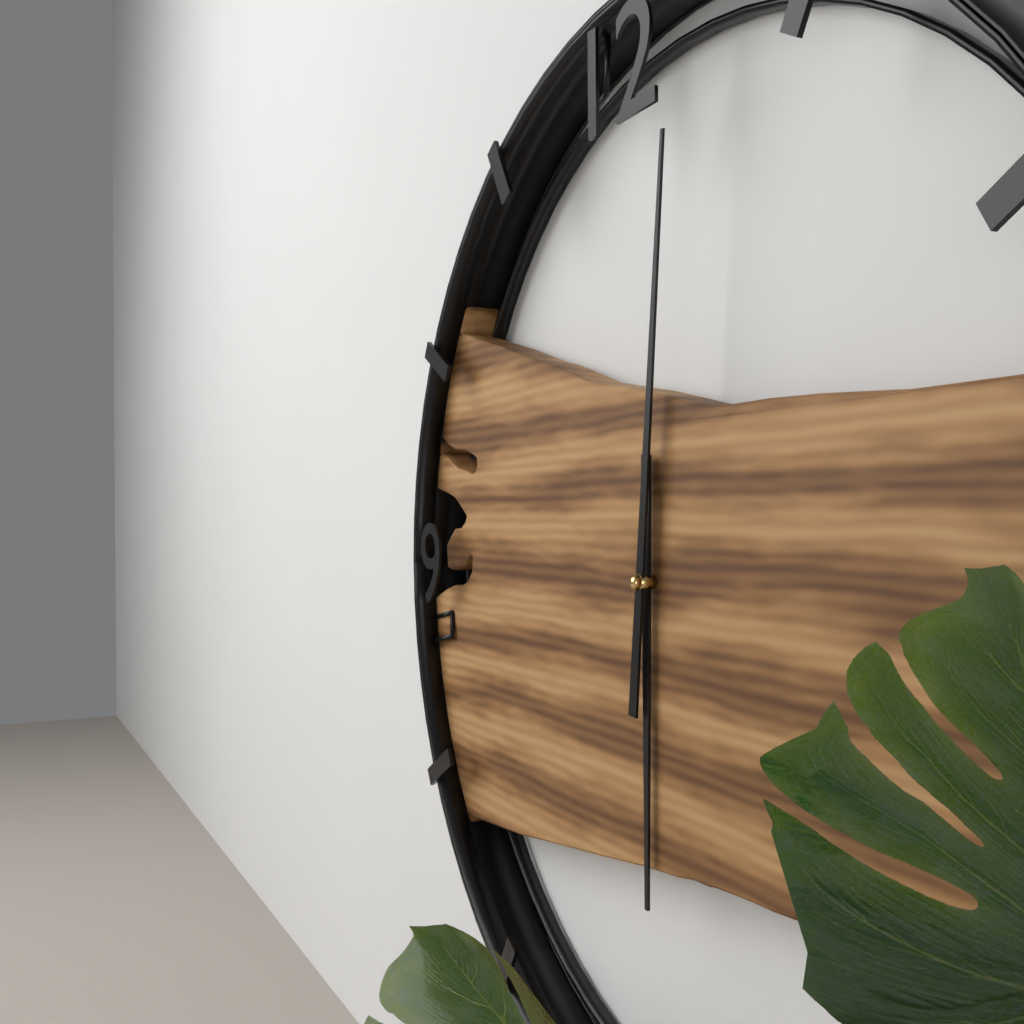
6.01
